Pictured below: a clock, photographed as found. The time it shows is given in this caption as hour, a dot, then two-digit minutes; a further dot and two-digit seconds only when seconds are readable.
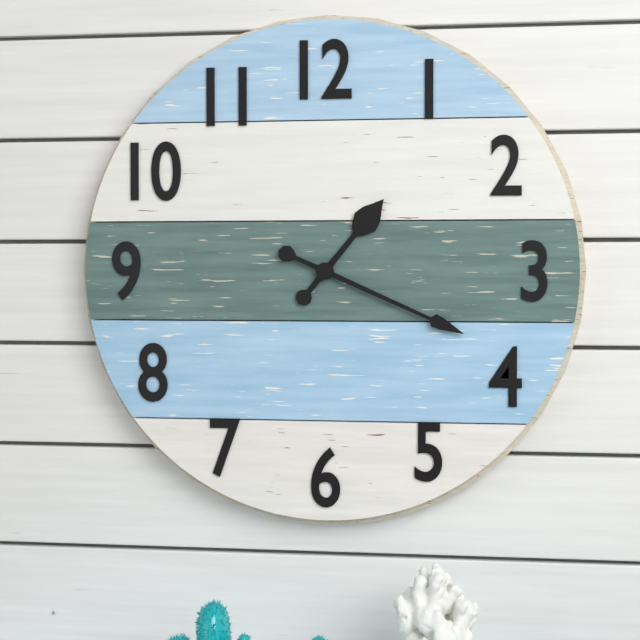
1.19
